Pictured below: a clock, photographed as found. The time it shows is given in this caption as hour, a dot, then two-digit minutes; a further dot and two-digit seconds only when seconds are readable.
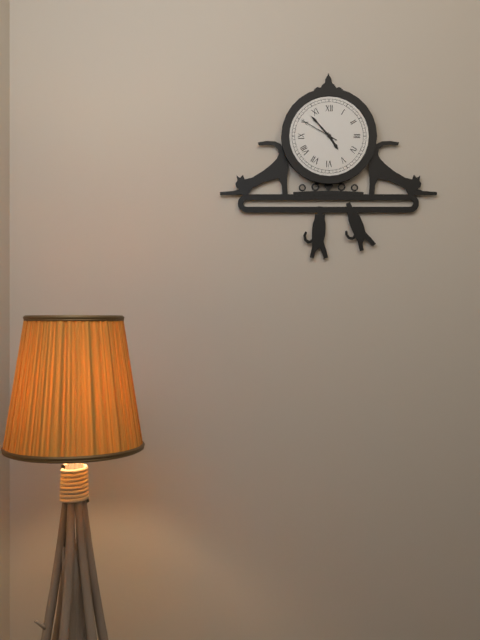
4.53
